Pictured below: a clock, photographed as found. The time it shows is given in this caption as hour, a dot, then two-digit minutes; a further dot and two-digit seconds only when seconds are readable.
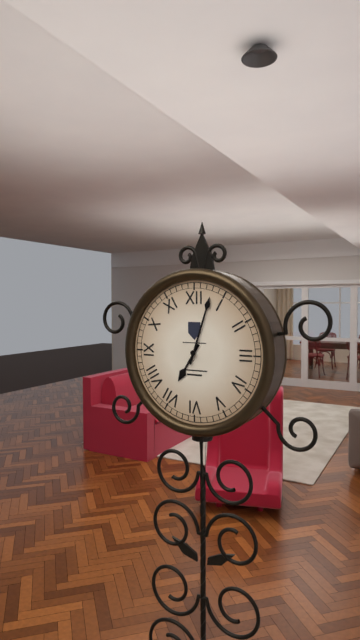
7.03
